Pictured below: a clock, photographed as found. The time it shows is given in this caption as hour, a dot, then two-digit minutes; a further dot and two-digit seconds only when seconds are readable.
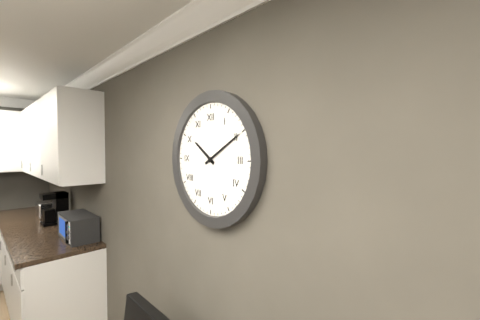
10.10
